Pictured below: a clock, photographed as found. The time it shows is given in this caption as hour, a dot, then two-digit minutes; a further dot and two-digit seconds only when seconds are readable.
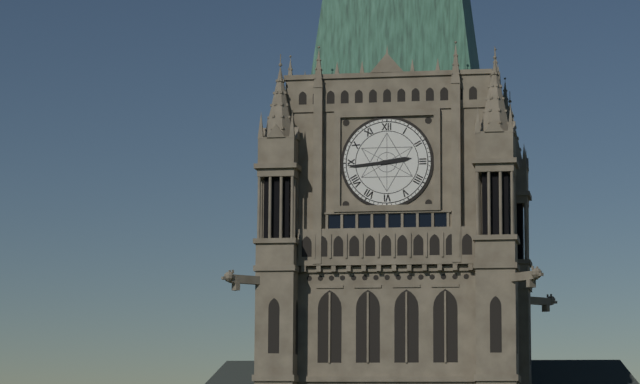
2.44
